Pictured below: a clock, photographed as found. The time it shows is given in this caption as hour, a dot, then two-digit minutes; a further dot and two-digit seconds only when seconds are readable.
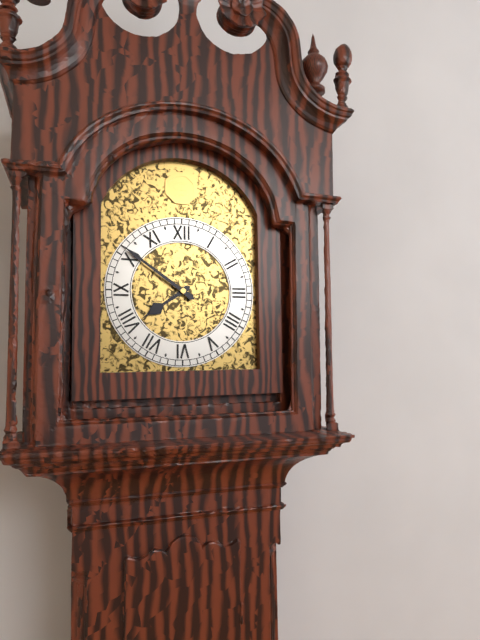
7.51
